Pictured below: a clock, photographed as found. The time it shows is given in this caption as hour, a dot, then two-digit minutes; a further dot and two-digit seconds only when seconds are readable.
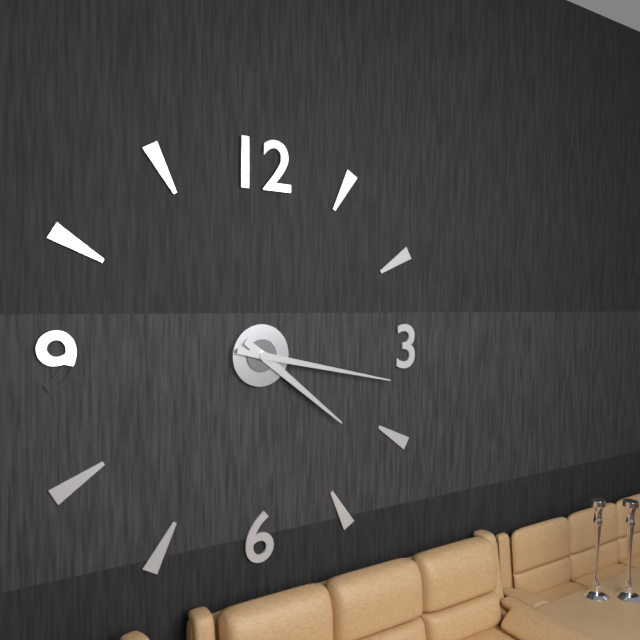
4.17
